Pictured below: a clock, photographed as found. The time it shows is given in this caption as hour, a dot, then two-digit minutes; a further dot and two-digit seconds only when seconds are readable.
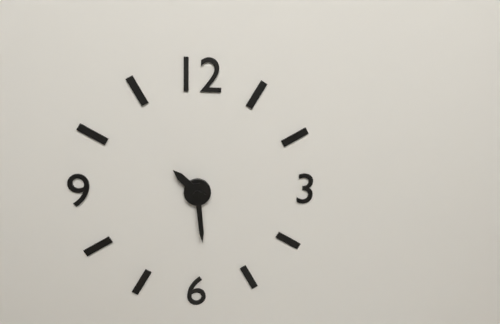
10.29
